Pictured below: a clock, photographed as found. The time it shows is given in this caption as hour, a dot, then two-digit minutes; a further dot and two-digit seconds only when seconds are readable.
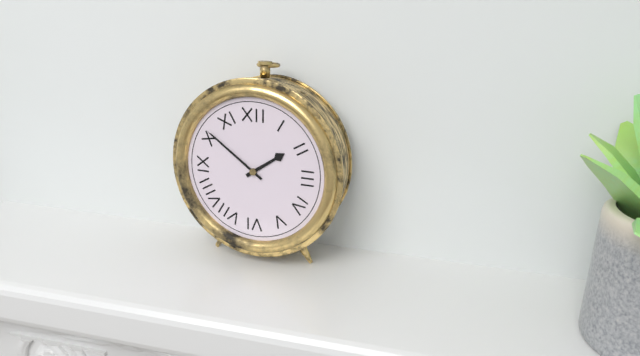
1.51
